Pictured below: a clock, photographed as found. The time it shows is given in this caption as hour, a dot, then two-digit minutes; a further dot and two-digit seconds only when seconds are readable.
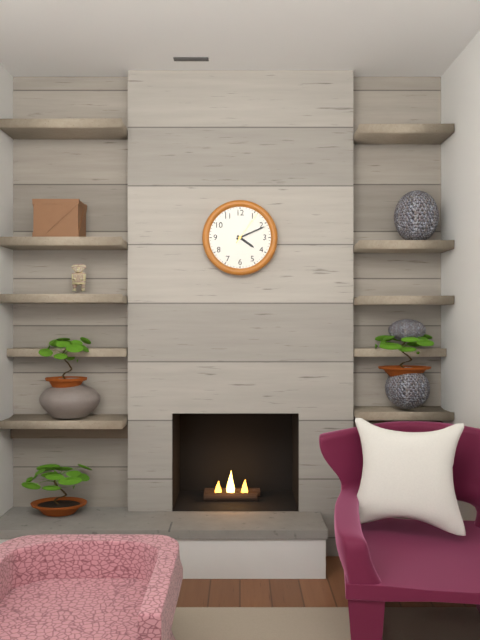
4.11
